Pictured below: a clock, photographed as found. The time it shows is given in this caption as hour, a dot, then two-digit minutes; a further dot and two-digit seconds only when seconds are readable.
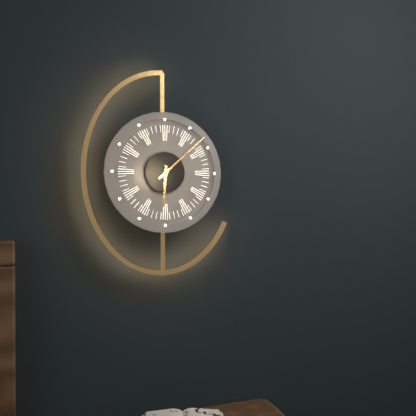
6.08
